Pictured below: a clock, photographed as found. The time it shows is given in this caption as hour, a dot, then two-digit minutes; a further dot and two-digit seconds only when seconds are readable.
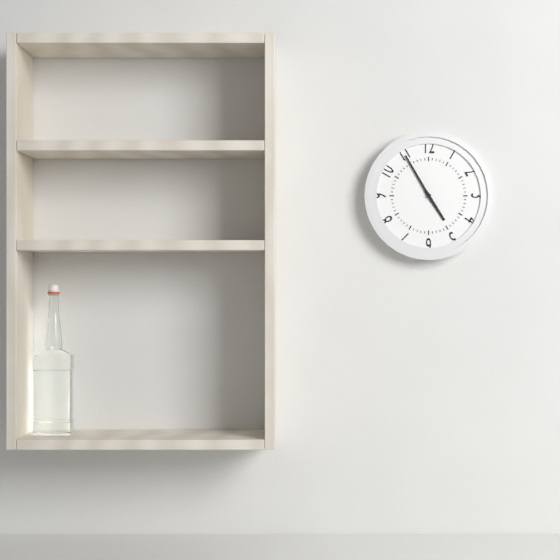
4.55
